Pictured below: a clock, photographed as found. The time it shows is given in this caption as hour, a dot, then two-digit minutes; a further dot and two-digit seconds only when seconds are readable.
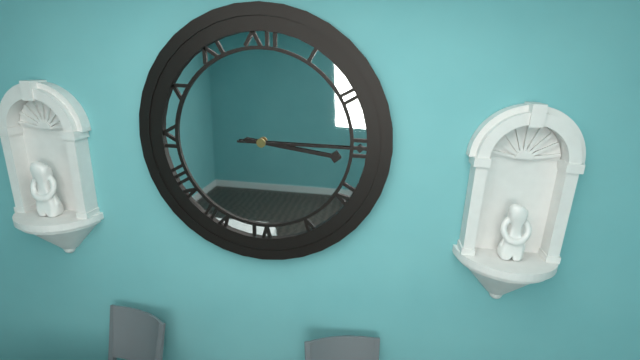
3.15
